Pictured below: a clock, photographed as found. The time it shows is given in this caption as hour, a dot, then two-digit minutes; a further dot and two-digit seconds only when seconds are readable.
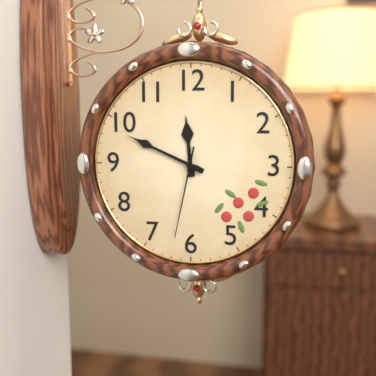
11.49.32
